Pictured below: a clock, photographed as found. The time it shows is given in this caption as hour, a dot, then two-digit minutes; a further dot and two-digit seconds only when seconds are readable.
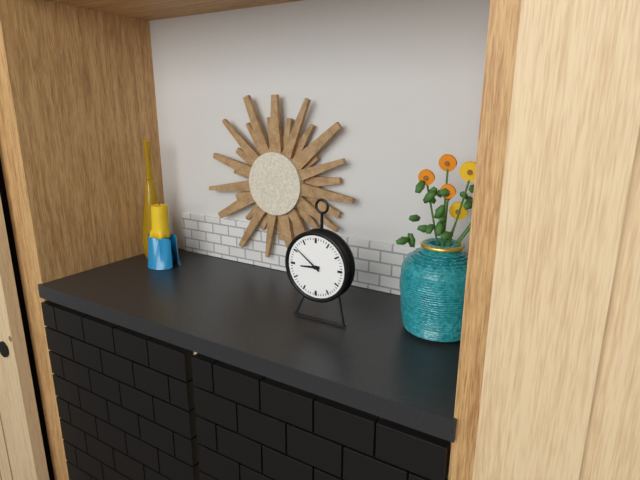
8.51
